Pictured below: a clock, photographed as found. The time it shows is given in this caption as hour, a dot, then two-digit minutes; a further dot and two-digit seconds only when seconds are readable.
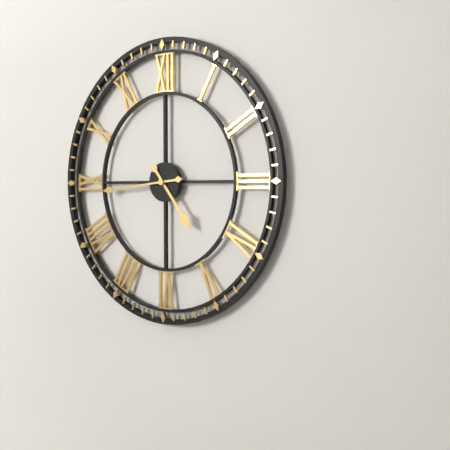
4.44
